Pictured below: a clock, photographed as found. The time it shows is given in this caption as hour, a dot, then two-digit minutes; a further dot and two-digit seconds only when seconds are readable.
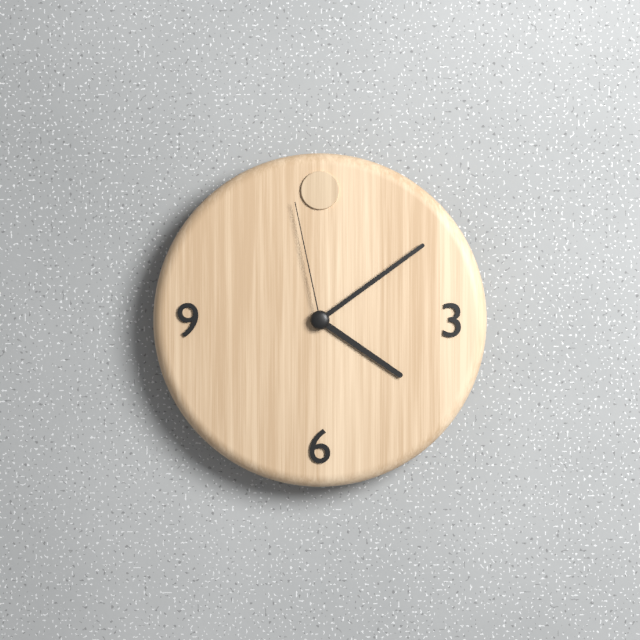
4.09.58
